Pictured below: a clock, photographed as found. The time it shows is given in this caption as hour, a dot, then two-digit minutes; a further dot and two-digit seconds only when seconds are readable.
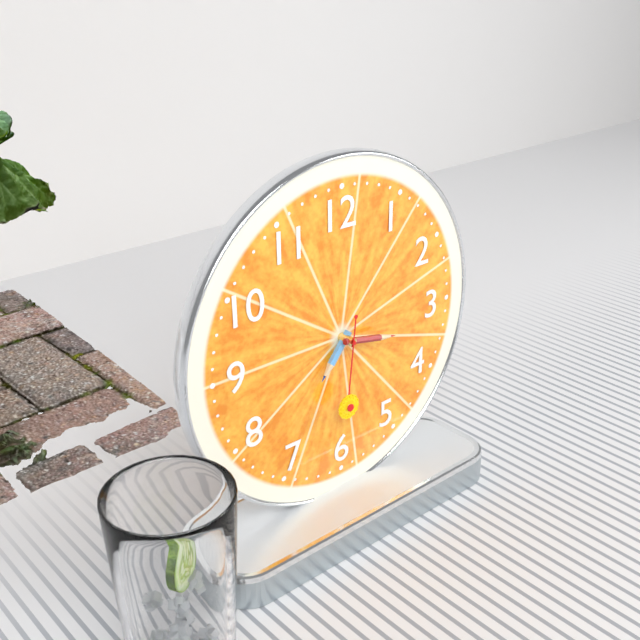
7.17.31
